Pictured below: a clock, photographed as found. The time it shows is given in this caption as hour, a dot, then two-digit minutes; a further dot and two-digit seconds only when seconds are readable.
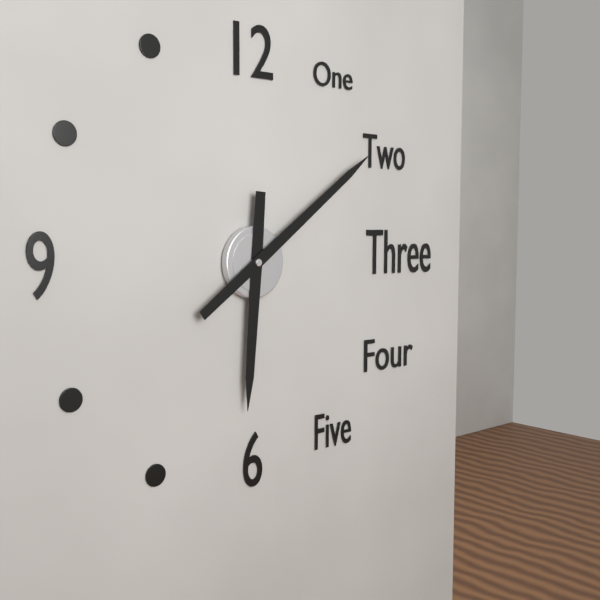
6.09
